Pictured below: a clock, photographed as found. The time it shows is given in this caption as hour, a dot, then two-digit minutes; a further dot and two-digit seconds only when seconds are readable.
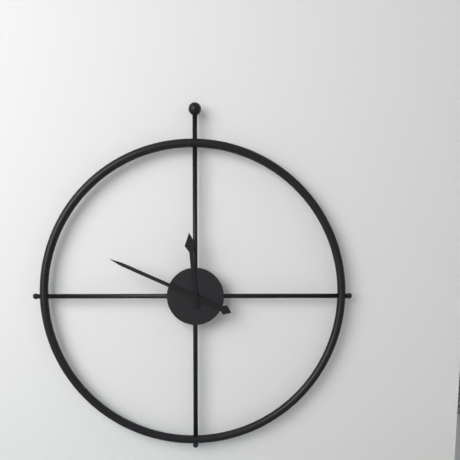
11.49
